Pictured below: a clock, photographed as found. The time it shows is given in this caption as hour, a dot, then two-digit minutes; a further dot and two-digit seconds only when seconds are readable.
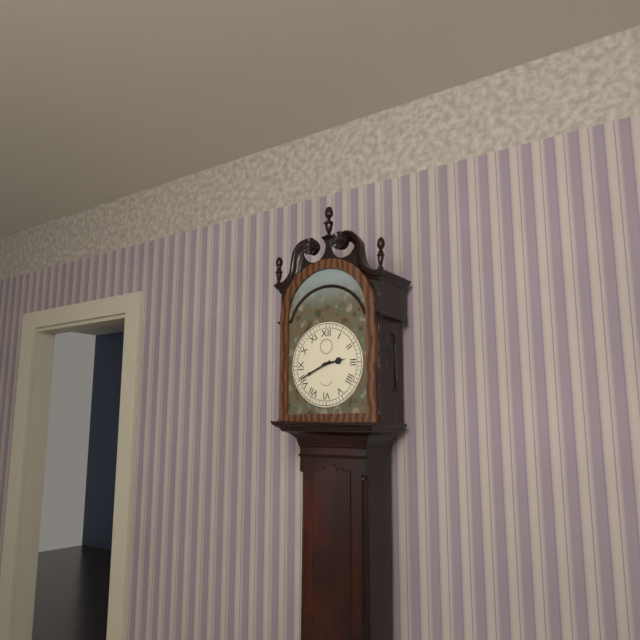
2.41
